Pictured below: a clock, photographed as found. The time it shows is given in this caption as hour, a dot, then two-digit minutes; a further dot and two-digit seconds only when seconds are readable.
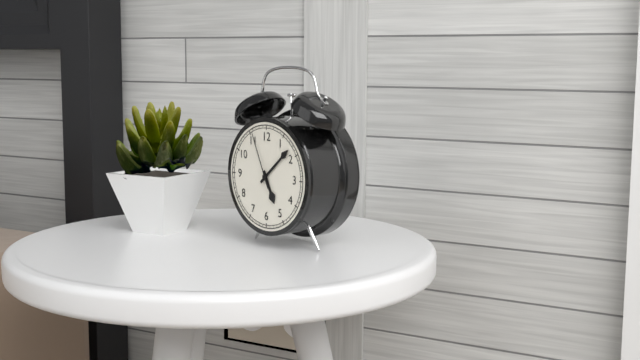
5.08.56
